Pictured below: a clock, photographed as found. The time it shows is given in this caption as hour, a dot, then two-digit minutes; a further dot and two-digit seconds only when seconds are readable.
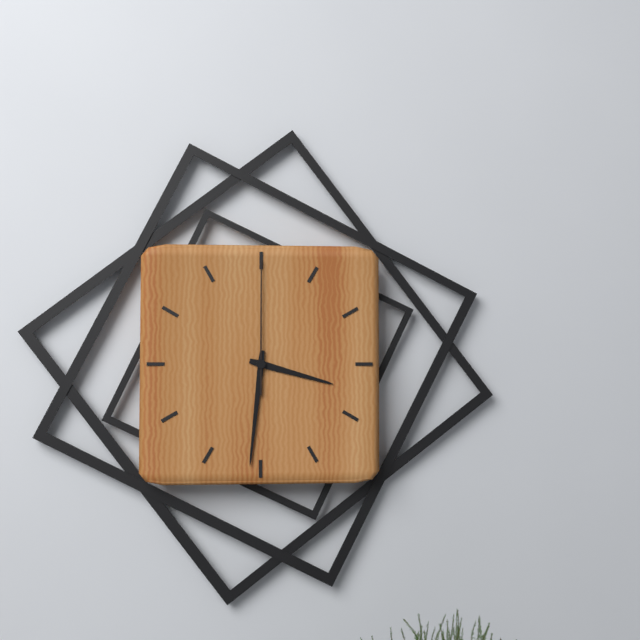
3.31.00
